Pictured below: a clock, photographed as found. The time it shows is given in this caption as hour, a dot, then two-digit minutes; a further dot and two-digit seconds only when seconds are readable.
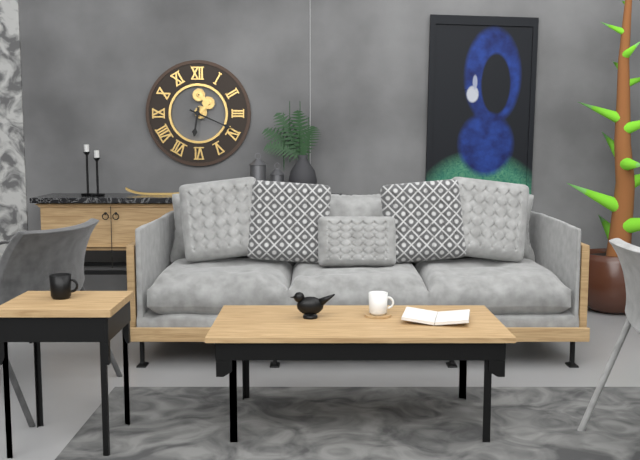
6.19
